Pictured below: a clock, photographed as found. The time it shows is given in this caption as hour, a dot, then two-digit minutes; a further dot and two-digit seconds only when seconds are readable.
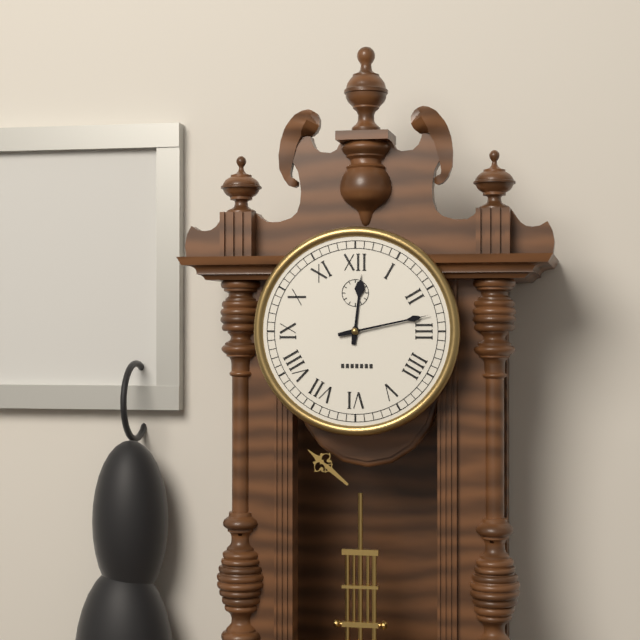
12.13
